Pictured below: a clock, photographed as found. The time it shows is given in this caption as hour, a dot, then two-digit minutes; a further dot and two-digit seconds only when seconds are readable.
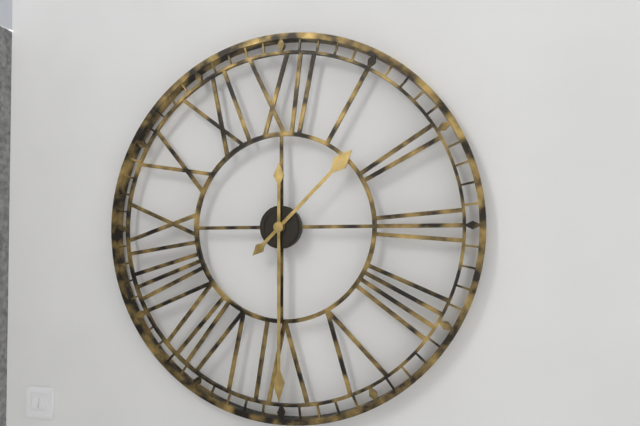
1.30
